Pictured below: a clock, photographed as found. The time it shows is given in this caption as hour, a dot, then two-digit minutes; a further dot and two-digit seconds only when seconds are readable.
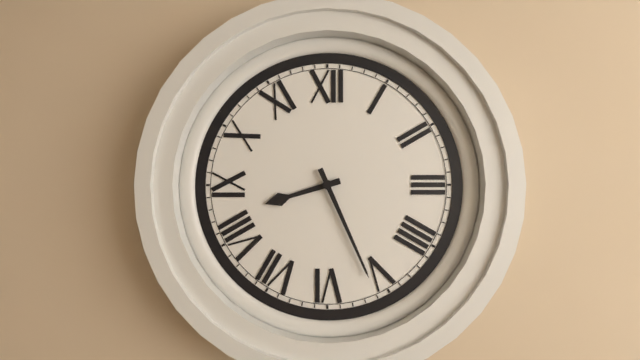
8.26
